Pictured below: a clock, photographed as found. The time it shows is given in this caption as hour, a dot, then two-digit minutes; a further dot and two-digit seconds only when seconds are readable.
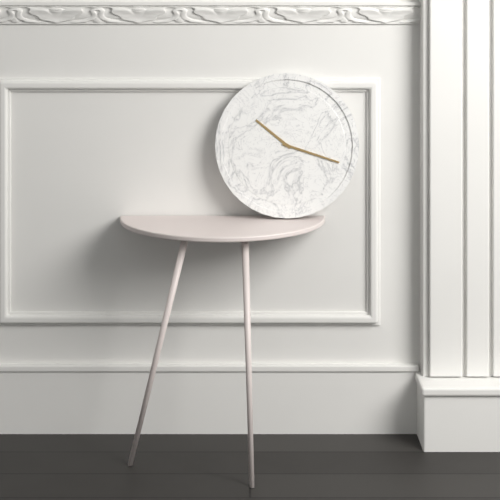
10.18
